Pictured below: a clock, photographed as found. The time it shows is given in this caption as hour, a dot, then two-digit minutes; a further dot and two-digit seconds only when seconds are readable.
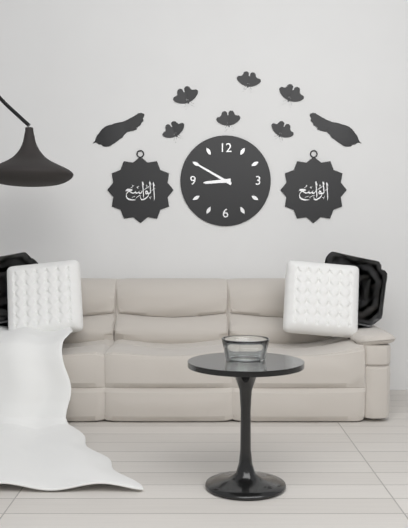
8.50
